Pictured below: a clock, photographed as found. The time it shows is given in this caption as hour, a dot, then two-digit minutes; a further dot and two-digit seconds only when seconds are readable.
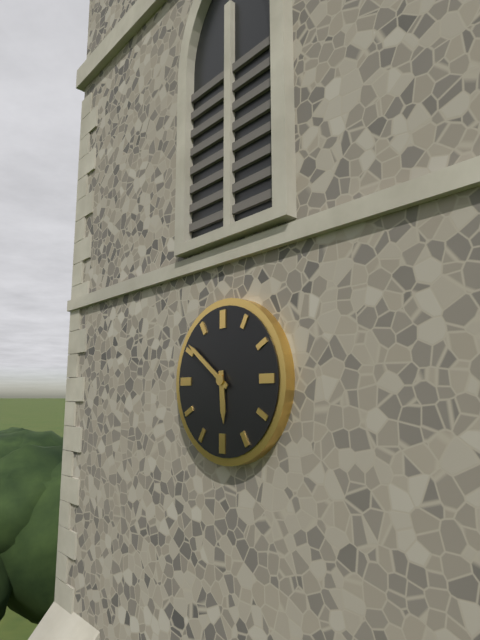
5.51
